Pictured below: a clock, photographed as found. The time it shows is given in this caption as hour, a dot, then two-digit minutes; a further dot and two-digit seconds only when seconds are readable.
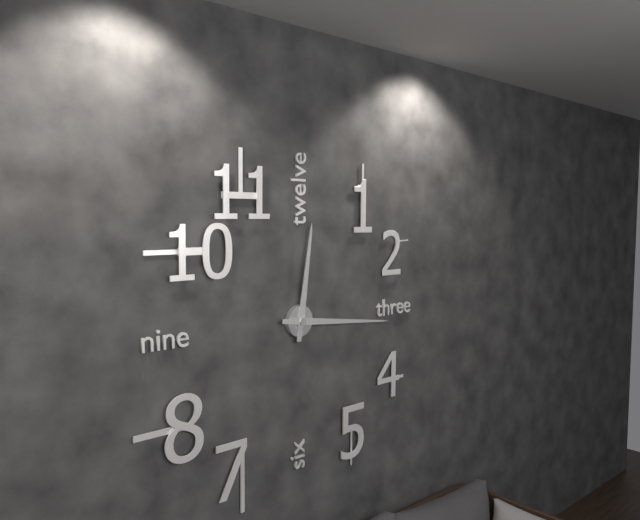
12.16
